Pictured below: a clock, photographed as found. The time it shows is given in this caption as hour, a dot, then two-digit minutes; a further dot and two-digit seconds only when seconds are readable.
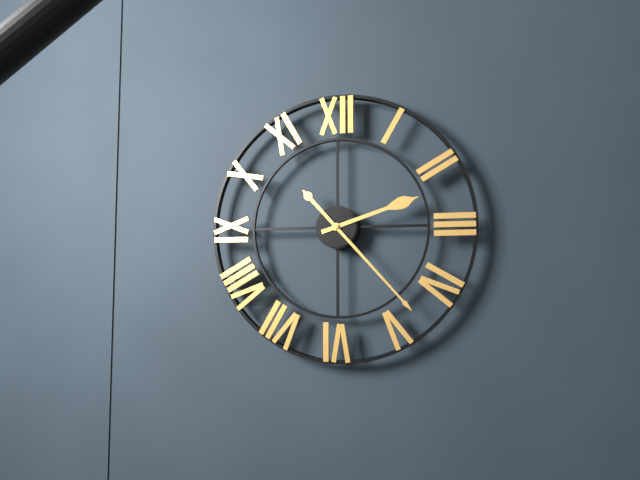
2.23
